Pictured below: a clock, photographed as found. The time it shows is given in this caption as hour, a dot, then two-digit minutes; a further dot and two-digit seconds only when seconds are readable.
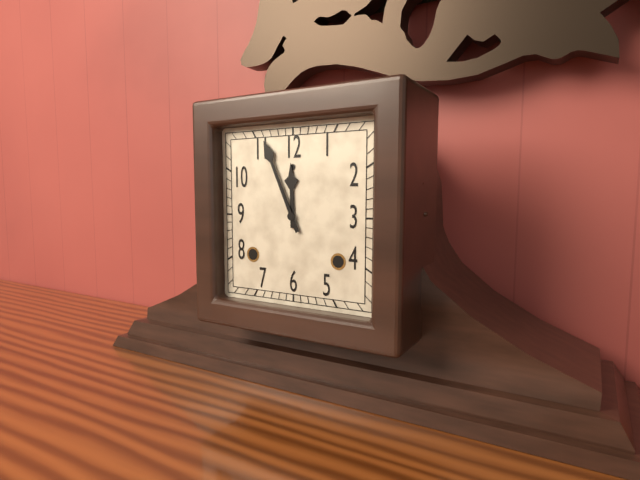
11.56
